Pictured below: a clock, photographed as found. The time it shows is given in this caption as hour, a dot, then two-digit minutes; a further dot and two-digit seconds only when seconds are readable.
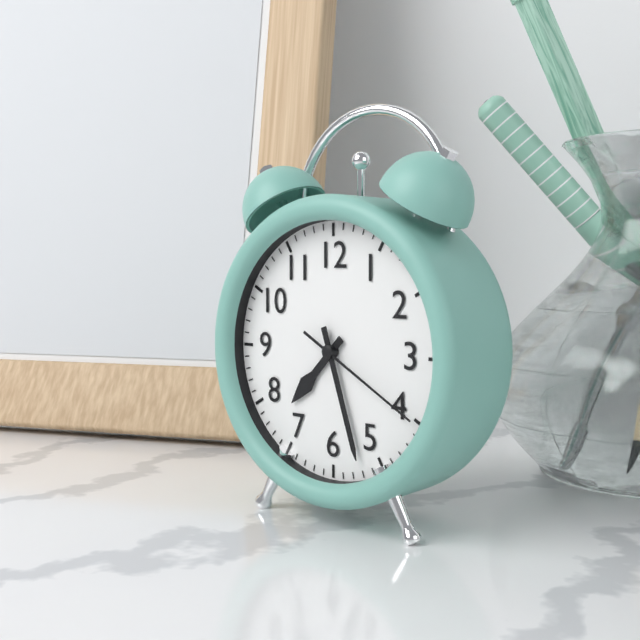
7.27.20
